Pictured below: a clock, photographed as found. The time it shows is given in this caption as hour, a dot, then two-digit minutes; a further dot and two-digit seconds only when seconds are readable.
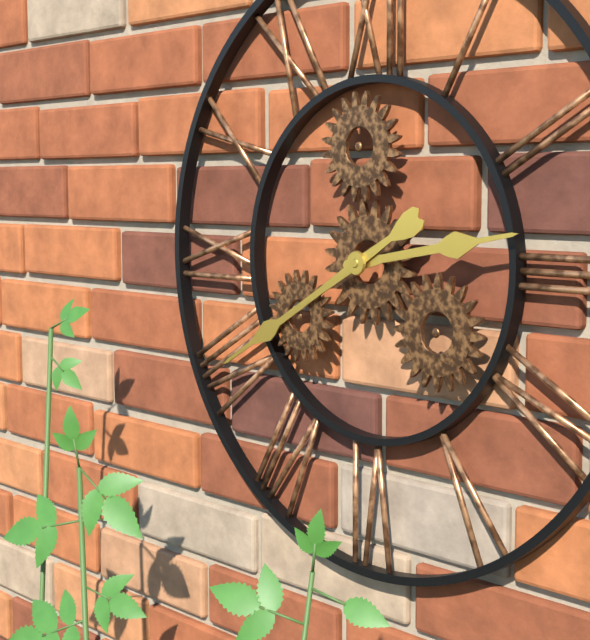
2.40
